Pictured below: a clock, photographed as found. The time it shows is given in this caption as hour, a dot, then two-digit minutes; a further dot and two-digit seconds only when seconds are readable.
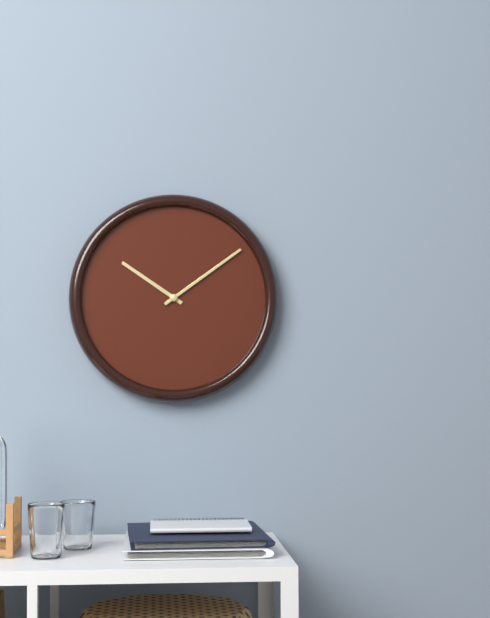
10.09
